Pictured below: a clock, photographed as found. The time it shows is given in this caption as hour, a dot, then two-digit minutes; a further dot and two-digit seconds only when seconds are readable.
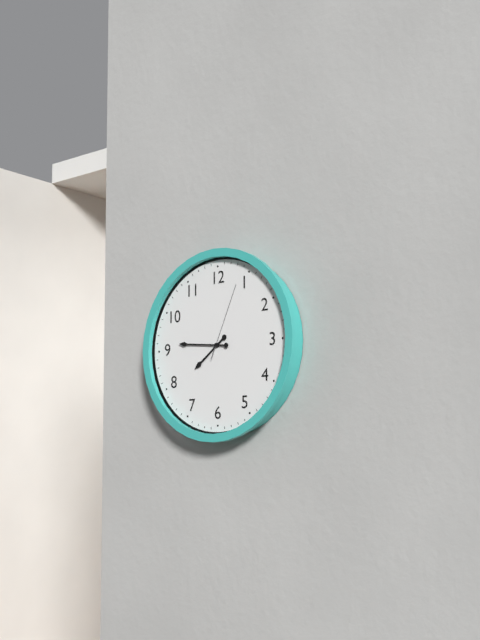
7.46.04
